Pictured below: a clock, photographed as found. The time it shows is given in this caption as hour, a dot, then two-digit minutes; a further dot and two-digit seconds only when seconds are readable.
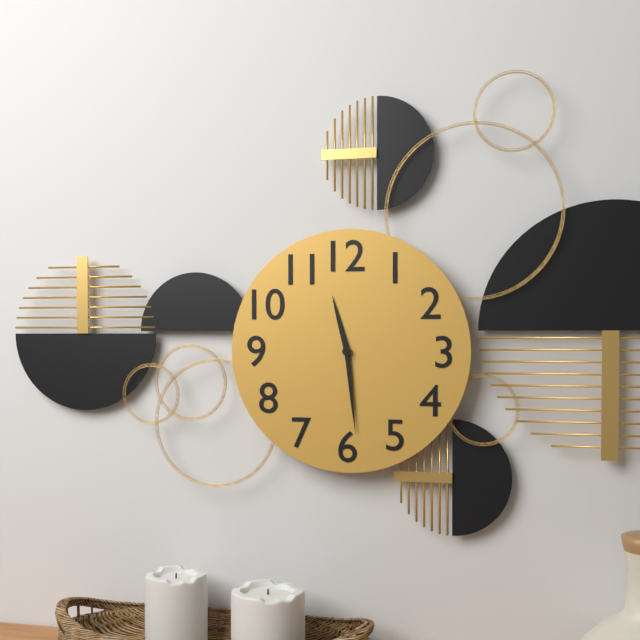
11.29
